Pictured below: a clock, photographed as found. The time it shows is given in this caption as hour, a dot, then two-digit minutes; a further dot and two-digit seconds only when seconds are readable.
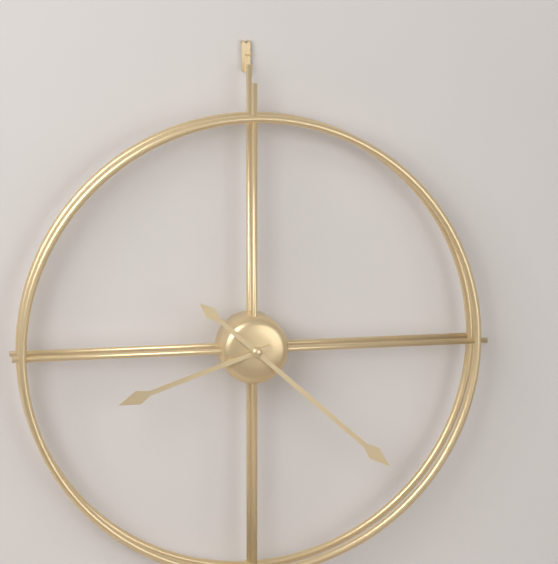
8.22
